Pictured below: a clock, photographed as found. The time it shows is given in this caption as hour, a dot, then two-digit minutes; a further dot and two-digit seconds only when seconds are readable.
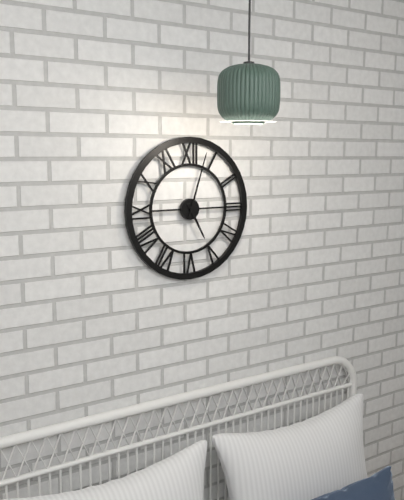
5.03
